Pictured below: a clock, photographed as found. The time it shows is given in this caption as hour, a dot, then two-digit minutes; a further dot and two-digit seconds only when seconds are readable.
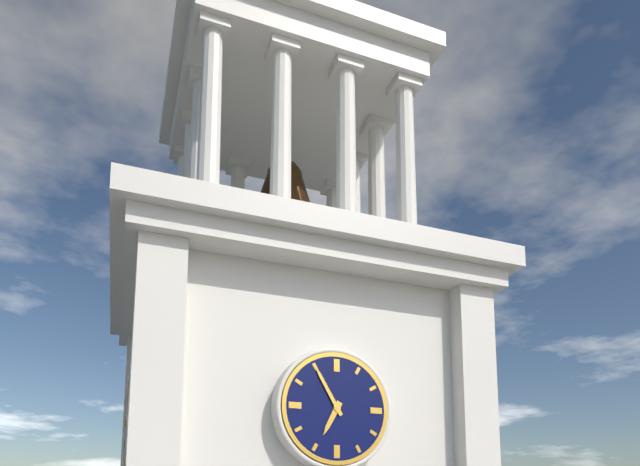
6.55
